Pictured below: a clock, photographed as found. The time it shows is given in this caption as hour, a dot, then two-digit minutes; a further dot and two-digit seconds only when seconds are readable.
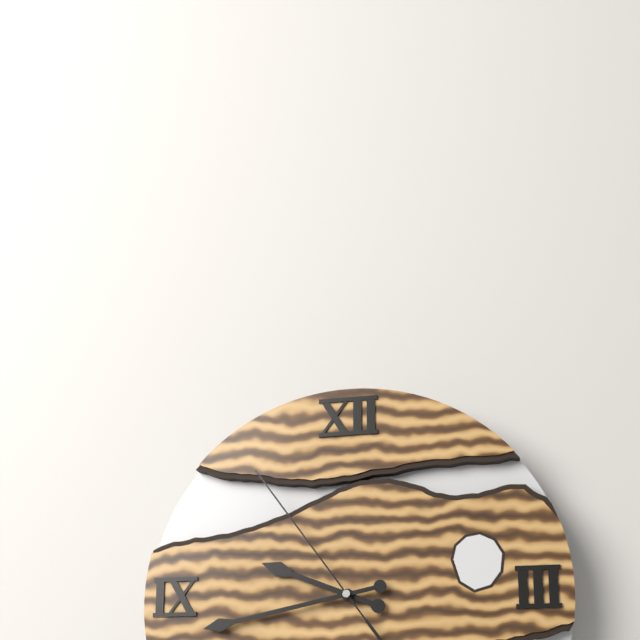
9.43.54
